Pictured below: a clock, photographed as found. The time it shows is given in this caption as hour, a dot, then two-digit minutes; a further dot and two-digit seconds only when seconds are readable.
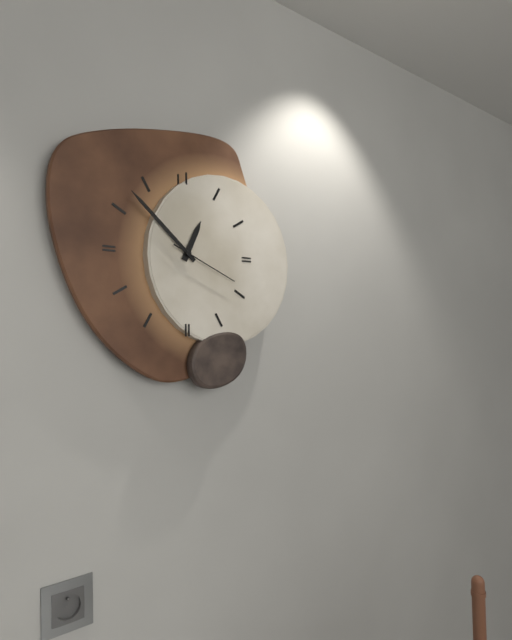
12.52.19
